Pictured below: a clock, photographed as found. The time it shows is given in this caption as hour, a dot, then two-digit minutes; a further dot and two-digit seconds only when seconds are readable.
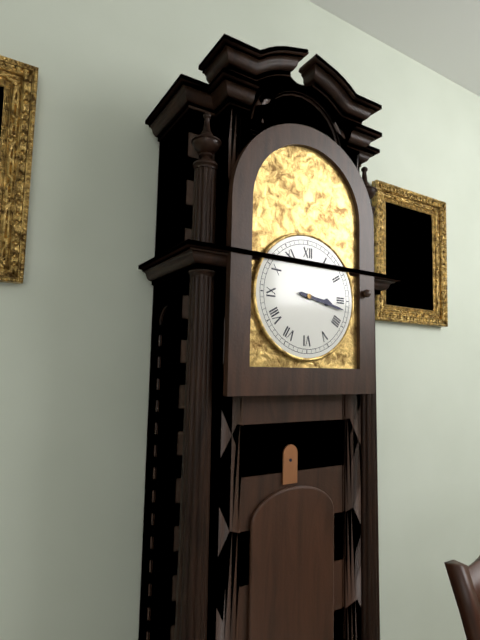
3.17
